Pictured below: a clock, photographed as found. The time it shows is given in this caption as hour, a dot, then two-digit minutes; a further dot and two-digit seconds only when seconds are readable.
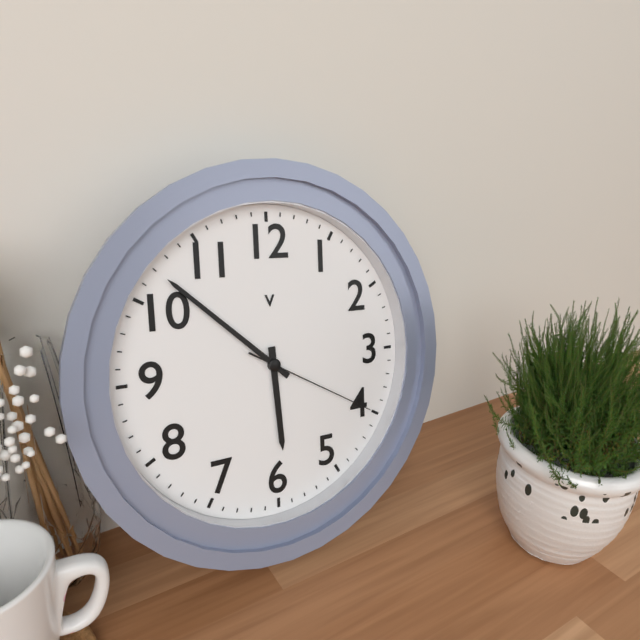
5.52.20
